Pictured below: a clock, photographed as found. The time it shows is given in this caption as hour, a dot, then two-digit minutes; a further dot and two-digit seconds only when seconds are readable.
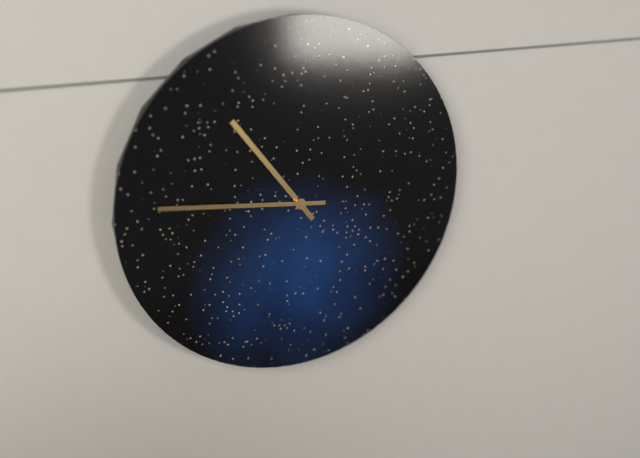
10.46
